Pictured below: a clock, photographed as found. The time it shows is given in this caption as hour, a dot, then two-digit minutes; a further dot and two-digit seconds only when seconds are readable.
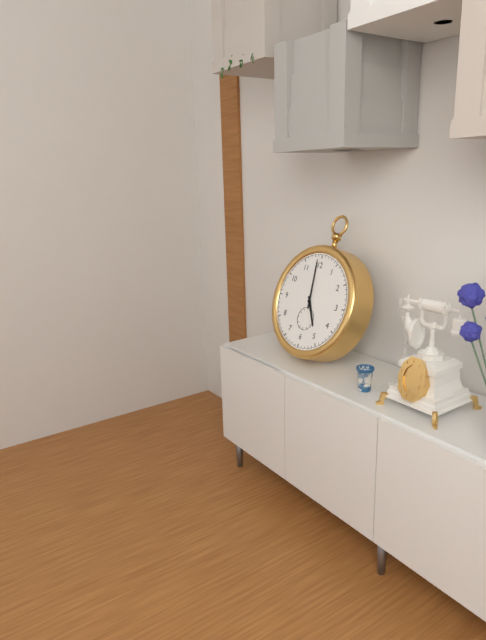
4.59
